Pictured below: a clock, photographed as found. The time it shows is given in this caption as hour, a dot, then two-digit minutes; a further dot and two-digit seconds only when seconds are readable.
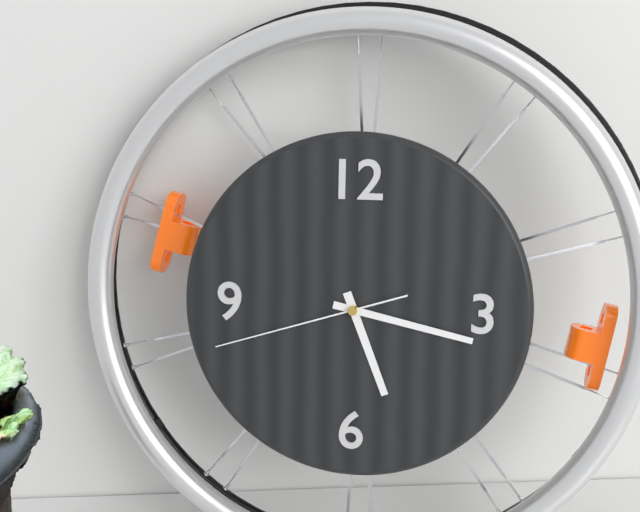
5.17.42
